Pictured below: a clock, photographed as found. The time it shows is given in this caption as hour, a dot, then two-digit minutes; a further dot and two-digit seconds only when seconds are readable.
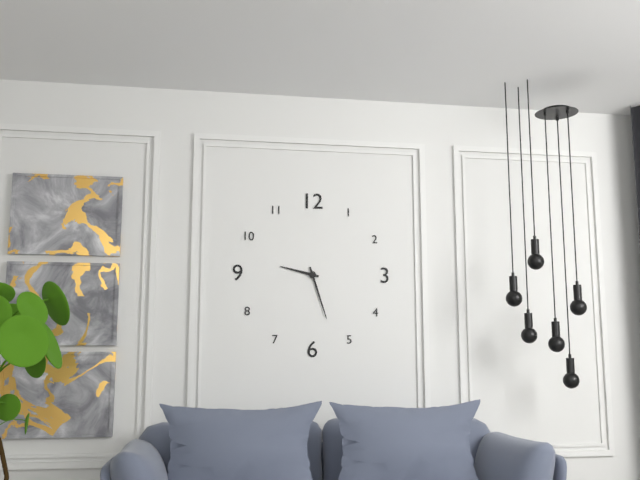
9.27
